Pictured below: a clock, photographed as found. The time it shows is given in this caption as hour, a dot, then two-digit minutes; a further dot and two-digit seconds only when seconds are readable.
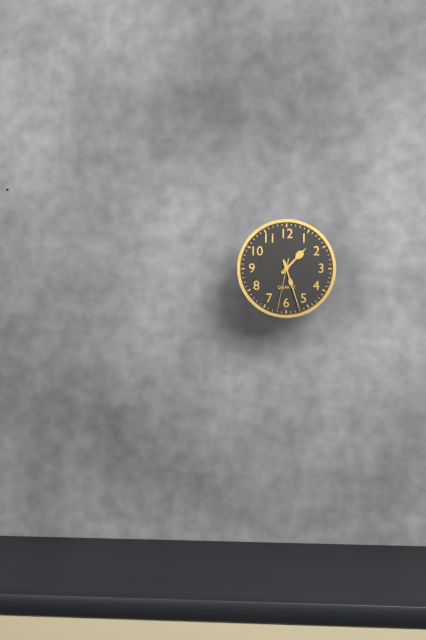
1.27.32
